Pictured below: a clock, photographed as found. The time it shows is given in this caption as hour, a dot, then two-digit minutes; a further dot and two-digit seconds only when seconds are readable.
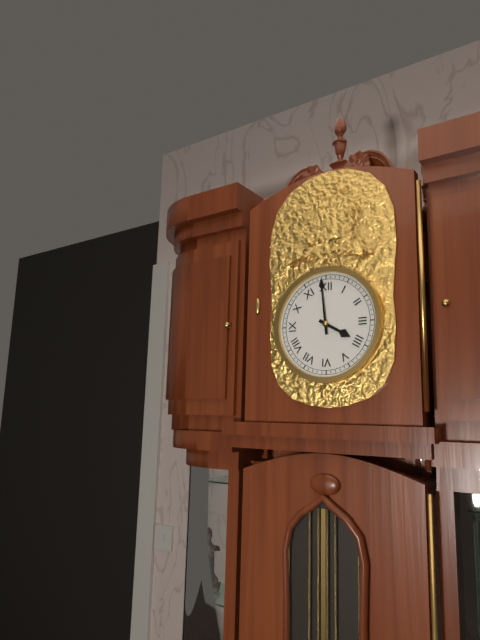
3.59
